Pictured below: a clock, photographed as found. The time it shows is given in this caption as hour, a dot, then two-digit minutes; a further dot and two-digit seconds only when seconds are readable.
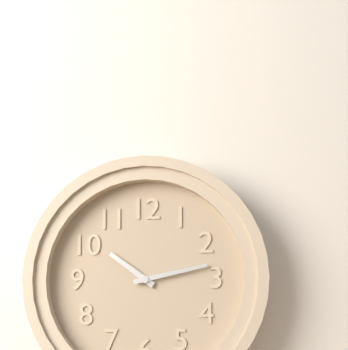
10.13
